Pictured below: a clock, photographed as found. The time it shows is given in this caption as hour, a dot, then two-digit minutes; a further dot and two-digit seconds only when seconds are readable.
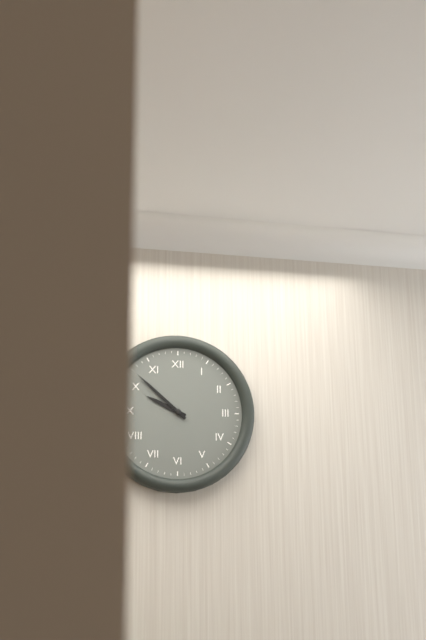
9.52
